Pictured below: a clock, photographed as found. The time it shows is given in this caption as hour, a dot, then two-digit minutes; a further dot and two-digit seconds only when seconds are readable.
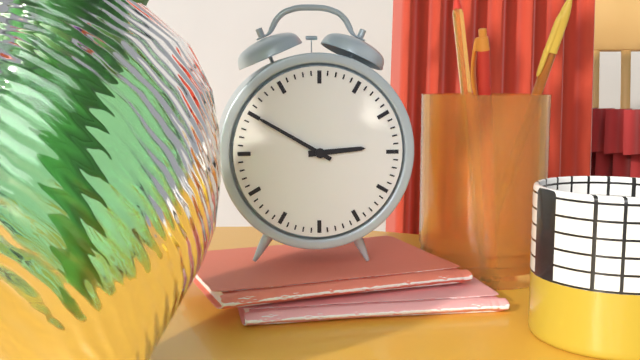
2.50
